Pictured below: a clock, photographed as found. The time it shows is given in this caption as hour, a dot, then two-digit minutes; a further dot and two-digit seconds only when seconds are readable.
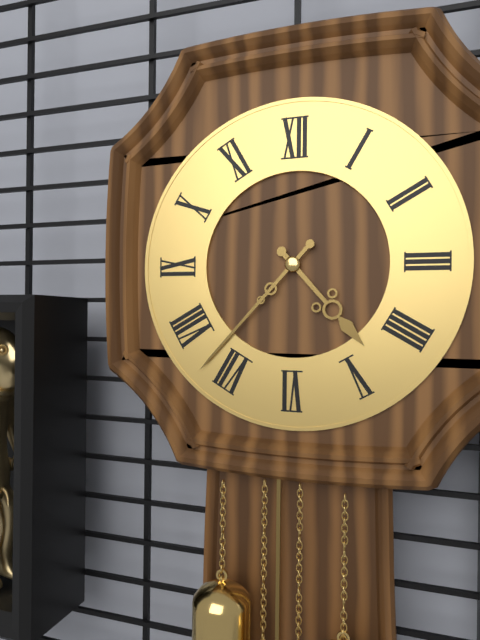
4.37
